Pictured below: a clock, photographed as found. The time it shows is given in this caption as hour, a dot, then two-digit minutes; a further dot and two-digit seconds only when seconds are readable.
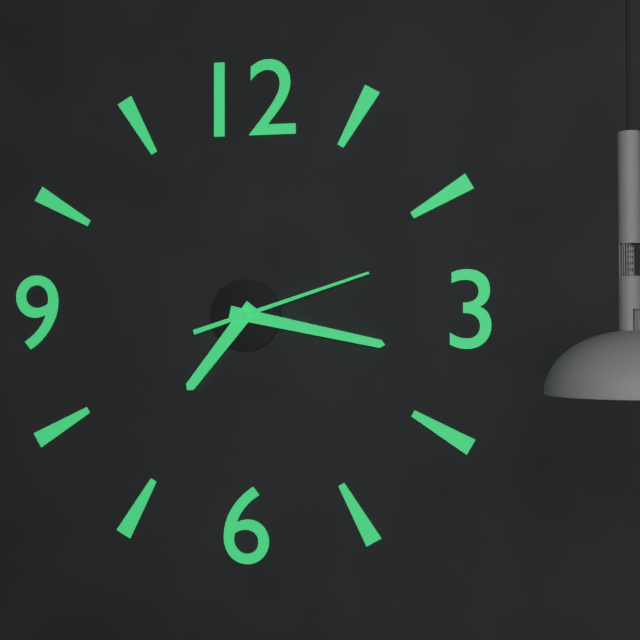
7.17.12
